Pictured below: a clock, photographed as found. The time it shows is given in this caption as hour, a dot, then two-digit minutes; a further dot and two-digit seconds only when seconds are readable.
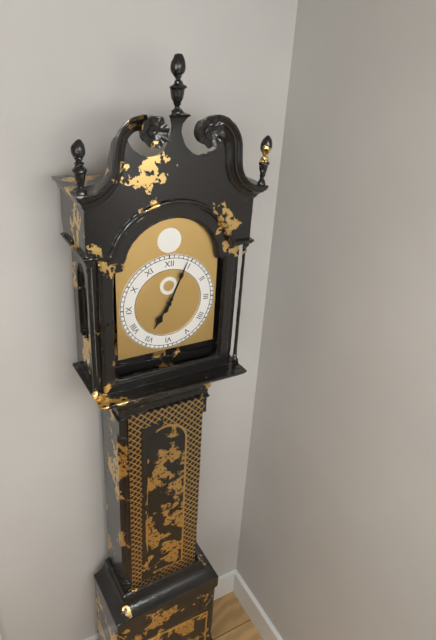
7.04
